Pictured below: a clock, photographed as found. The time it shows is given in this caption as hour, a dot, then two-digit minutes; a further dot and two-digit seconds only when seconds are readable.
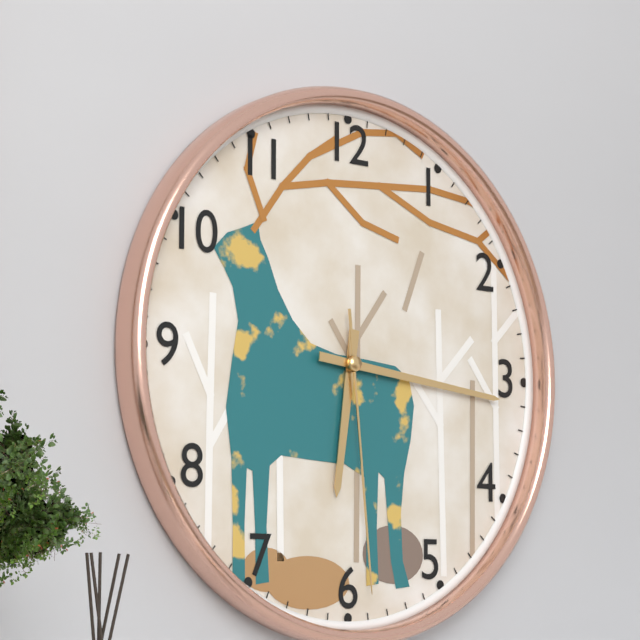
6.16.29
